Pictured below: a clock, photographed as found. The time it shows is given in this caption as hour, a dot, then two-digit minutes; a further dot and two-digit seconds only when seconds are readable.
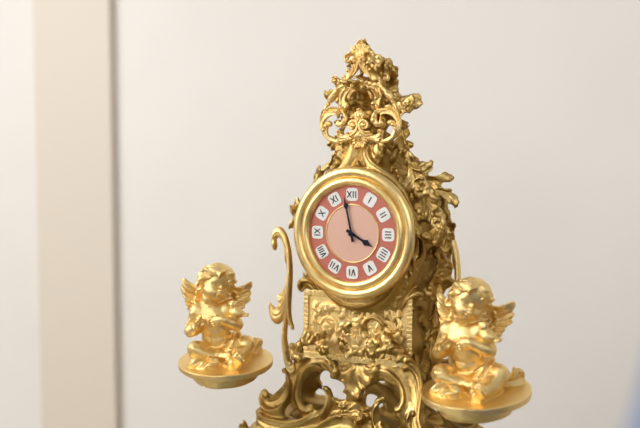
3.58
